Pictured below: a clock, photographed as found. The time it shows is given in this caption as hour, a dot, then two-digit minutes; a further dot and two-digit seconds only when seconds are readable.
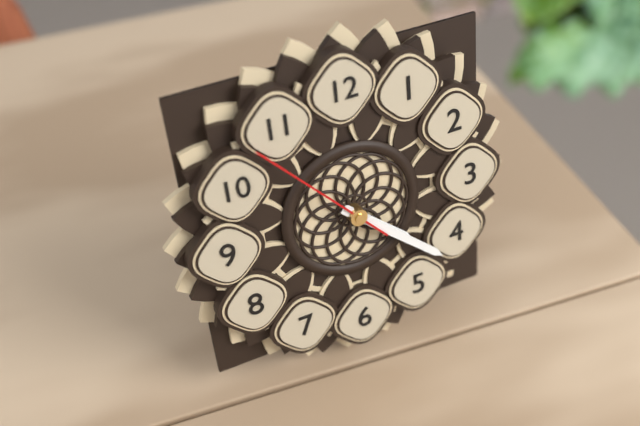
4.22.53
